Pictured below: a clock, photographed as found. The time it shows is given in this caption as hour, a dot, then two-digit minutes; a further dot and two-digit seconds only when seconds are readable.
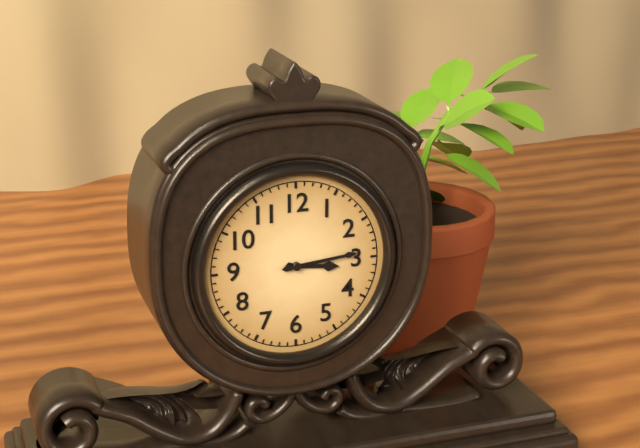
3.14
